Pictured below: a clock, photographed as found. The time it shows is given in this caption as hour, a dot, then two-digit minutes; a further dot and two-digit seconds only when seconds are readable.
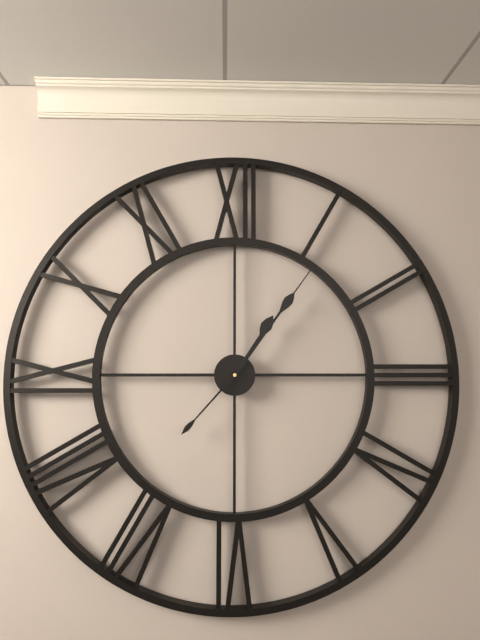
1.06.37
